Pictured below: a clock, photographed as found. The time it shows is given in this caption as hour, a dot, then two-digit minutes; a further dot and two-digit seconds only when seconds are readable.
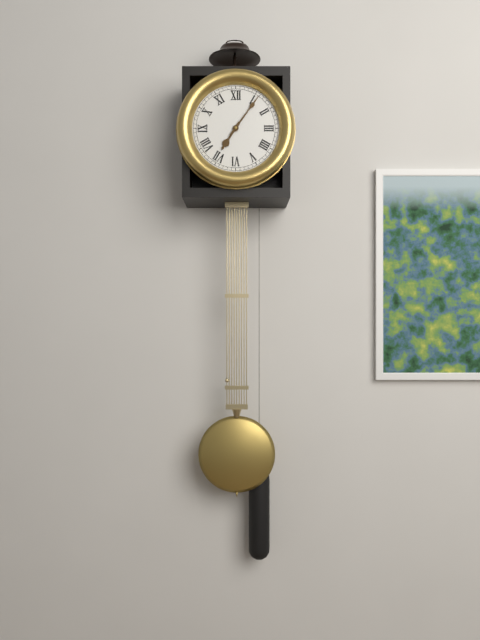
7.06
